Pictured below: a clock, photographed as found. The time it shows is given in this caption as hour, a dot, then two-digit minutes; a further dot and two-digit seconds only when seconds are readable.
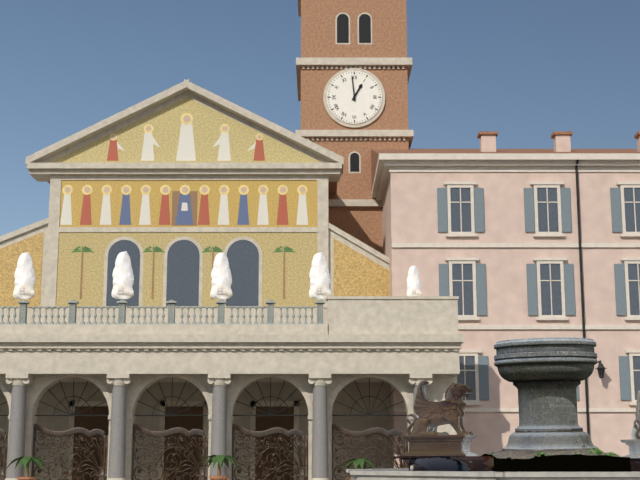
12.59
